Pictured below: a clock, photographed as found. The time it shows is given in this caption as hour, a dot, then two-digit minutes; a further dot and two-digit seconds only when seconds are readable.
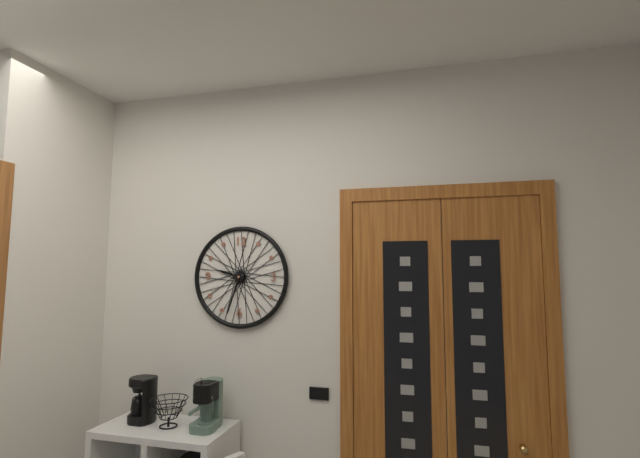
9.33
